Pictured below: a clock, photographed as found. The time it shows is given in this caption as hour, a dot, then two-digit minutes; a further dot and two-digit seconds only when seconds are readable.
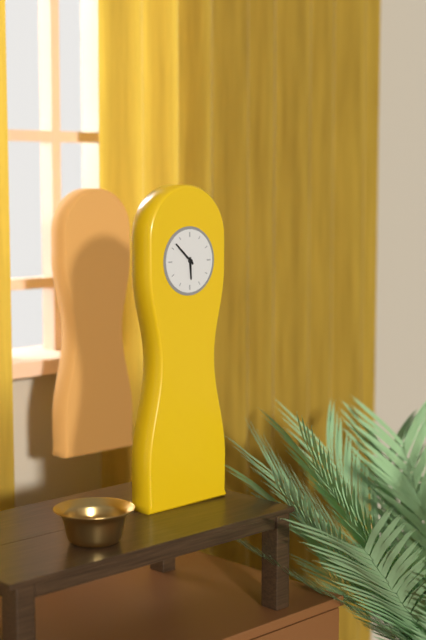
5.52
